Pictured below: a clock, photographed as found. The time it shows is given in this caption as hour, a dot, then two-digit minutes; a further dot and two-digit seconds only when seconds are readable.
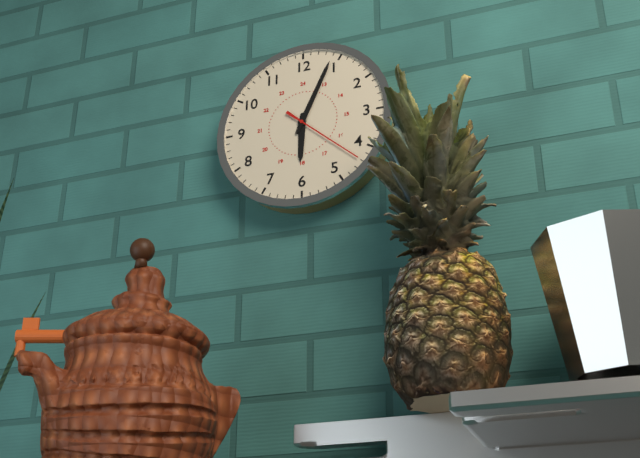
6.04.22
